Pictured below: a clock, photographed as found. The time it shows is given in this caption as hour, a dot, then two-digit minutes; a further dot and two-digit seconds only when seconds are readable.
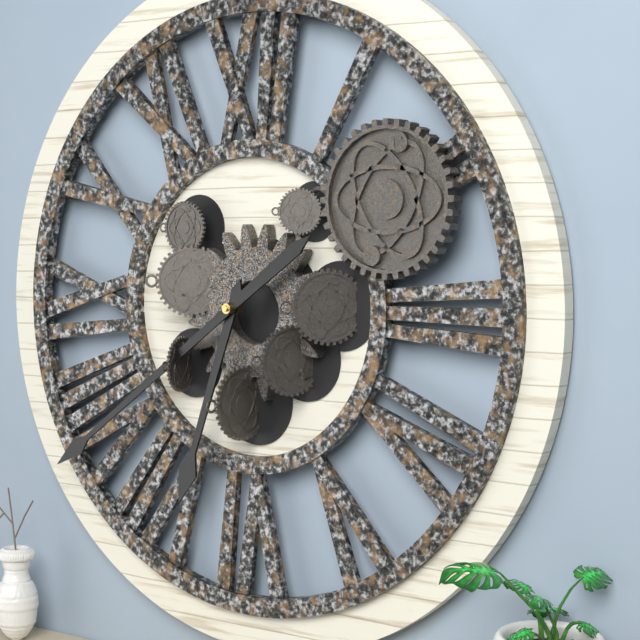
6.39
